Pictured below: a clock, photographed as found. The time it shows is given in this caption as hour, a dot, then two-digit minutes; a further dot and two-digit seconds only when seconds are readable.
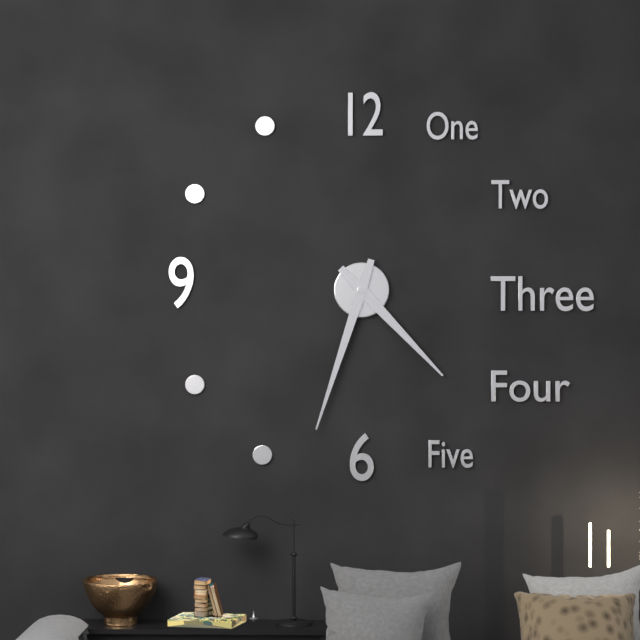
4.33
